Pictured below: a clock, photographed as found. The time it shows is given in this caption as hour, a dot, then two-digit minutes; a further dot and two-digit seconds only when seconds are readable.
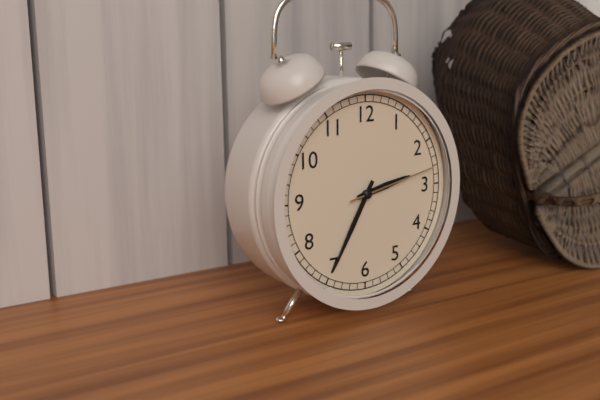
2.35.13
